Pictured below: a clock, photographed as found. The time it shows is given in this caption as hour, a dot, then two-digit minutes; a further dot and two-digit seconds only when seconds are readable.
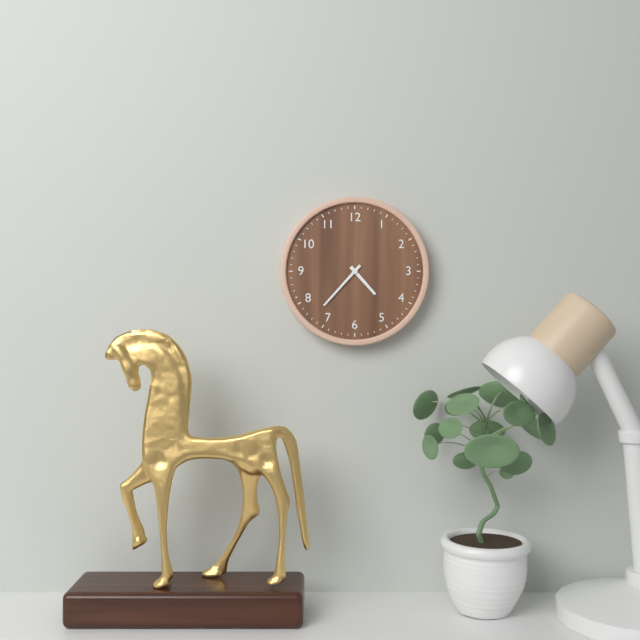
4.37
